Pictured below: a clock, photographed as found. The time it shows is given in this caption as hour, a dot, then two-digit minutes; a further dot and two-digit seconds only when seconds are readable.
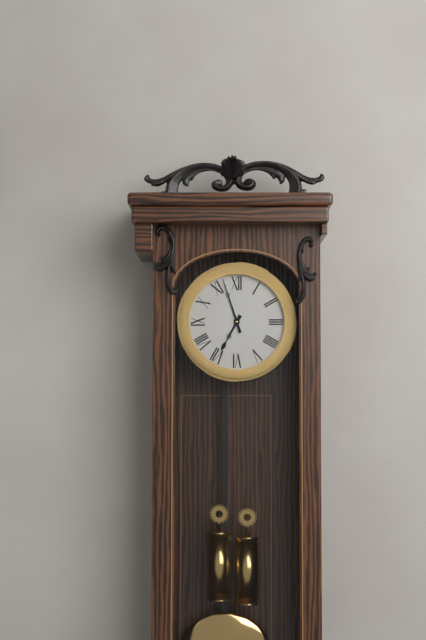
6.57
